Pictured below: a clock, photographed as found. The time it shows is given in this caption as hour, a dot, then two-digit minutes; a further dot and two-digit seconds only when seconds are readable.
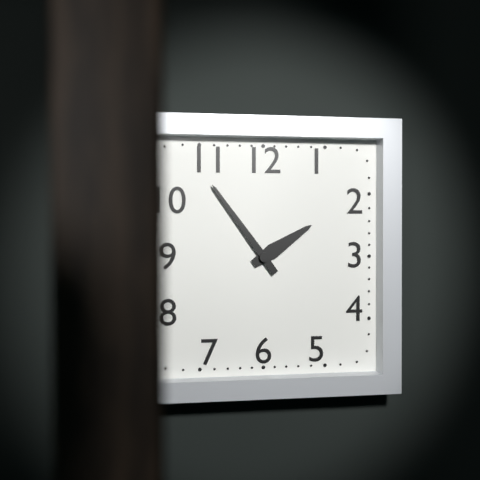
1.54
